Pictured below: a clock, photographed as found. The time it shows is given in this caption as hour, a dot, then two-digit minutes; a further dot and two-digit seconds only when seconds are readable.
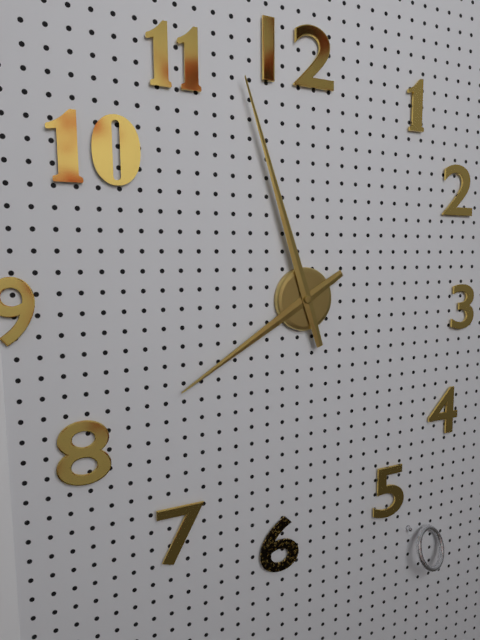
7.57
